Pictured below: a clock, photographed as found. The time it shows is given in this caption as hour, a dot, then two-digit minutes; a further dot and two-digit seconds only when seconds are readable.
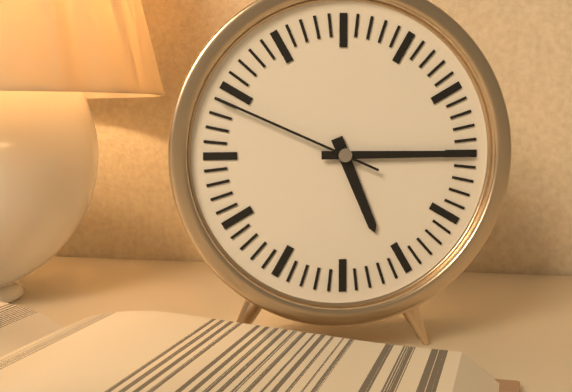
5.15.49
